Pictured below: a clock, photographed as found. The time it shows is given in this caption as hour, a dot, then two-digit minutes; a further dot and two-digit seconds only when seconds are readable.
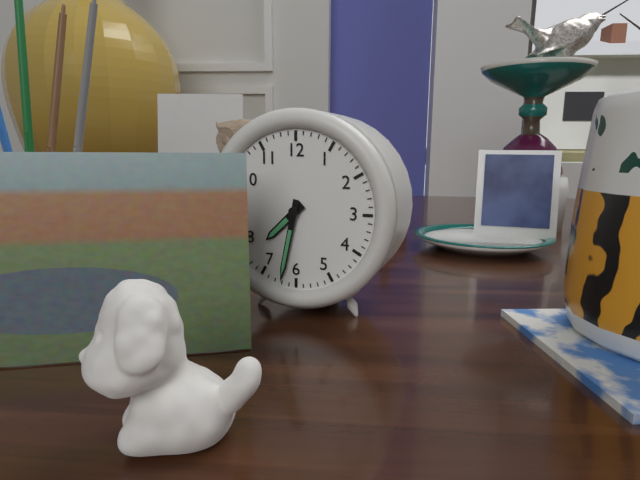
7.32
